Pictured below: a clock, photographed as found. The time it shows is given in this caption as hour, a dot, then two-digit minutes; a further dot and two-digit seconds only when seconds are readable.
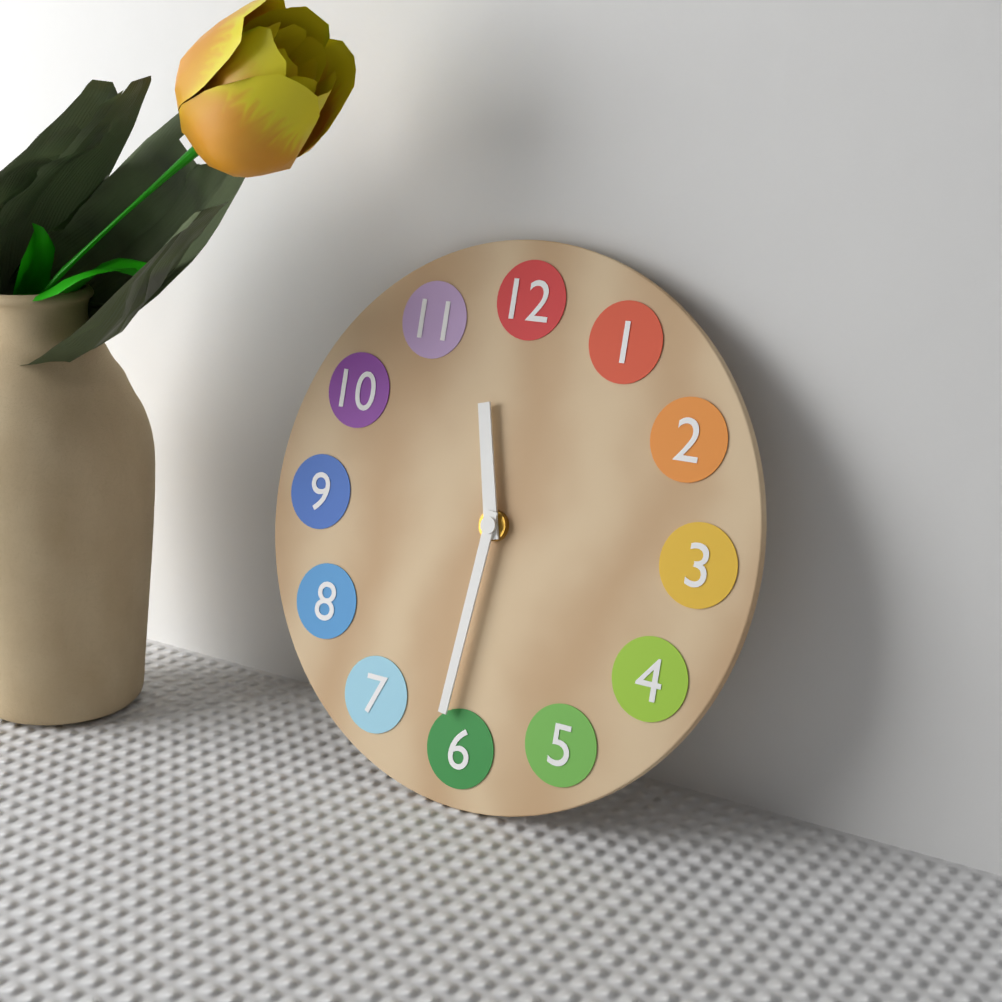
11.31
